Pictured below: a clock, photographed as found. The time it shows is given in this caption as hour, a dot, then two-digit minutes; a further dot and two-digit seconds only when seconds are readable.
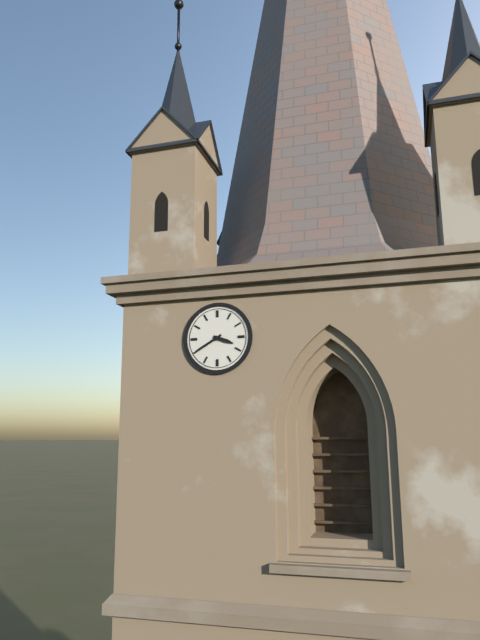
3.40
